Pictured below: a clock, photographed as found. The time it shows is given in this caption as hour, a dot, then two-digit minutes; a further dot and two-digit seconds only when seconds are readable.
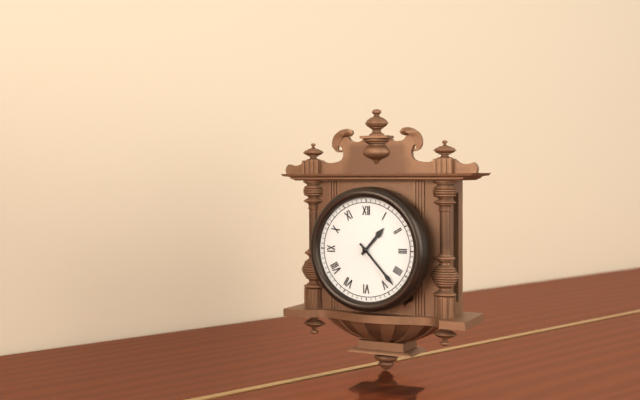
1.23
